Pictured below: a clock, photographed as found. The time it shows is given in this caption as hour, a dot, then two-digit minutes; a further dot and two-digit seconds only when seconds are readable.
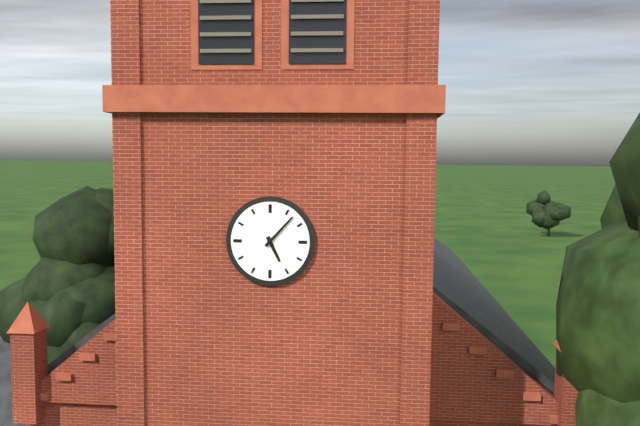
5.07
